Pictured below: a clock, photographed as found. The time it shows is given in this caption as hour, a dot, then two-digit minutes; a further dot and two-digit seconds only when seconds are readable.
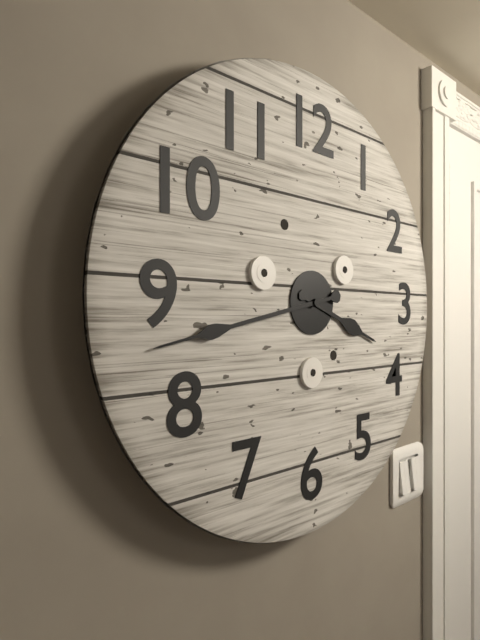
3.43
